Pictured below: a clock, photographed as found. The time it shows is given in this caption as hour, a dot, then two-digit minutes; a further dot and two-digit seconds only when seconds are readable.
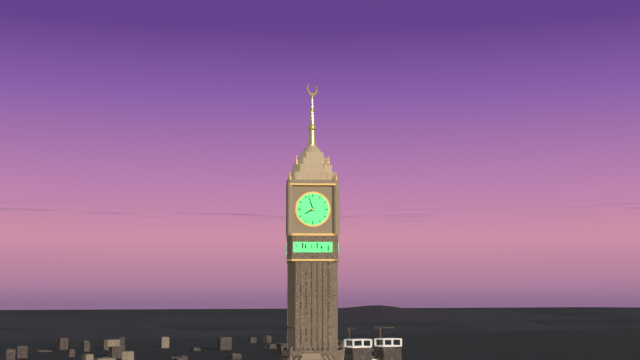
7.57
